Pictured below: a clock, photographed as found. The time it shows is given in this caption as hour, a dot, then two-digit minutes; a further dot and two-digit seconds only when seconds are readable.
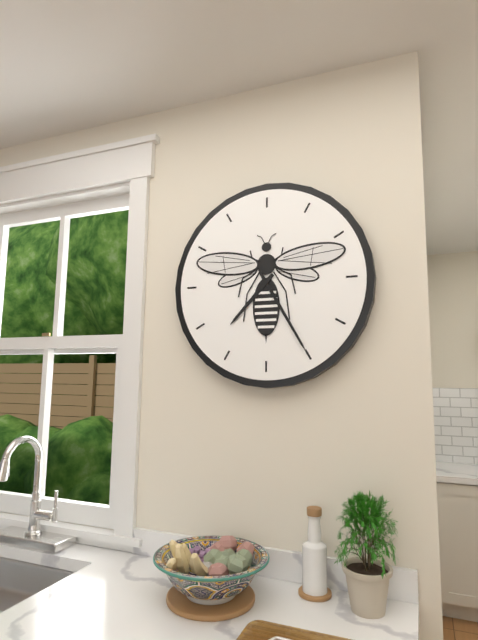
7.25
